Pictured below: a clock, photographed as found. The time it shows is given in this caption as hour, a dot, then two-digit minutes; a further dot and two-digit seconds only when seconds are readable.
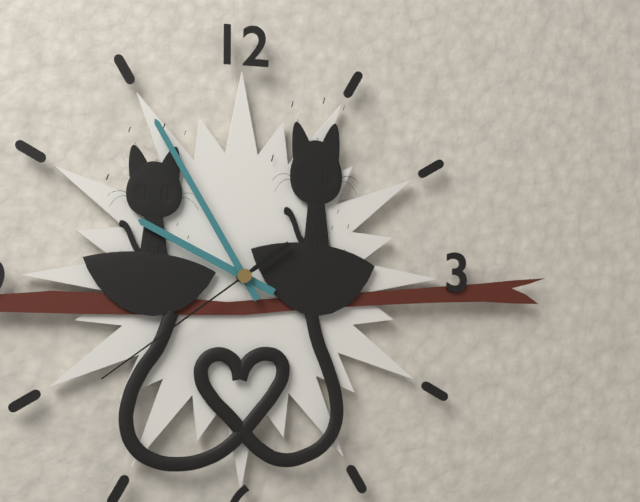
9.55.39
